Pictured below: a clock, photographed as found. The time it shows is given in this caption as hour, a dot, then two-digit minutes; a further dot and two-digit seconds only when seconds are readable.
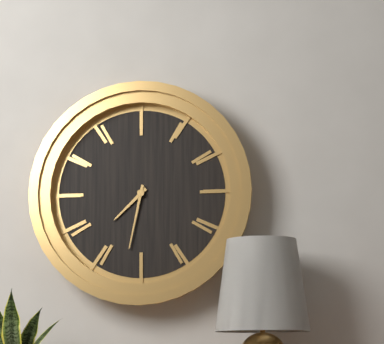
7.32
